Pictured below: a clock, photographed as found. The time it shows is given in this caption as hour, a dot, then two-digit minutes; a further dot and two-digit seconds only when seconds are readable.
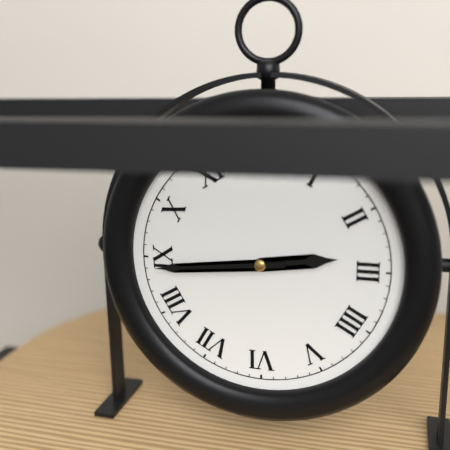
2.44
